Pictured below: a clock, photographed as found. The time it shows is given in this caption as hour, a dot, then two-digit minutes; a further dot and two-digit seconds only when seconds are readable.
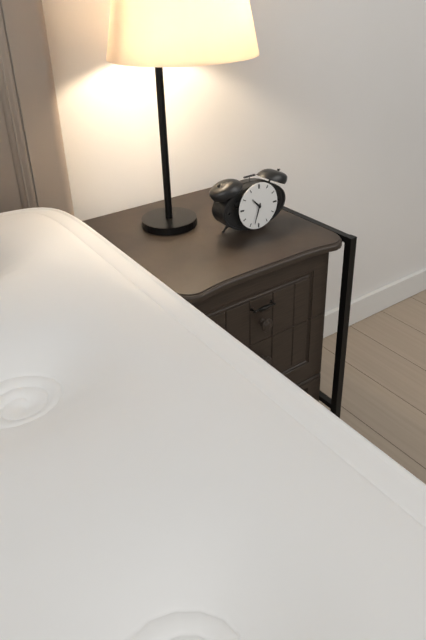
10.33
